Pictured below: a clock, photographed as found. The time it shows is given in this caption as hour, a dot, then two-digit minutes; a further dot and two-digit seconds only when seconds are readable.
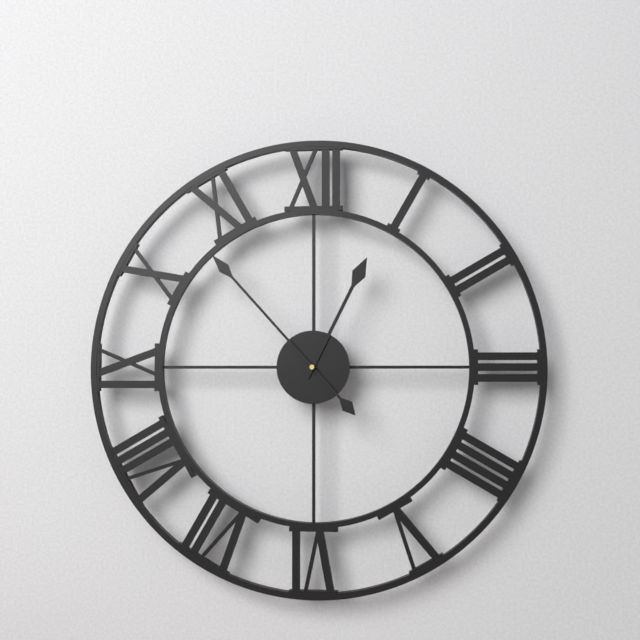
12.53
